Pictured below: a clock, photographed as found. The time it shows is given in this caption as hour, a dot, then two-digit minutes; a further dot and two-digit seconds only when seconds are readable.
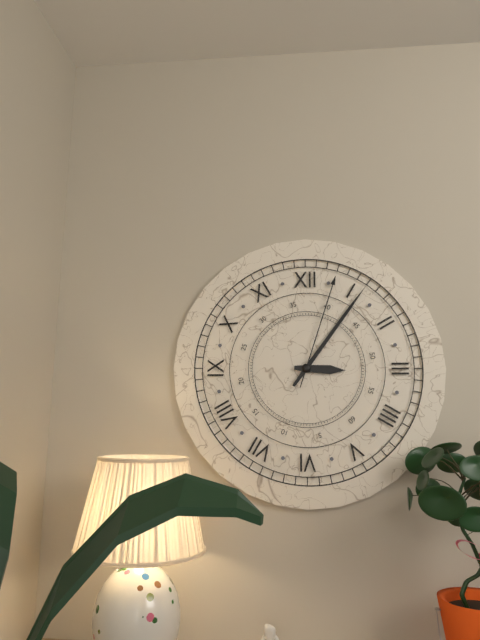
3.06.03
